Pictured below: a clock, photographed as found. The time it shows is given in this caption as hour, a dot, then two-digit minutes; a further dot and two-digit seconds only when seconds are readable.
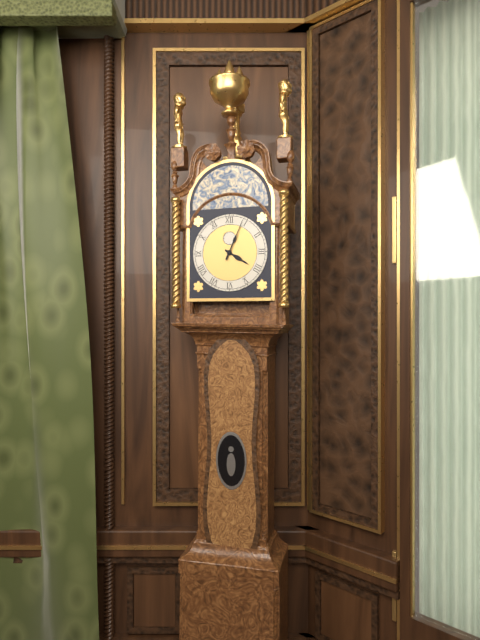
4.04
